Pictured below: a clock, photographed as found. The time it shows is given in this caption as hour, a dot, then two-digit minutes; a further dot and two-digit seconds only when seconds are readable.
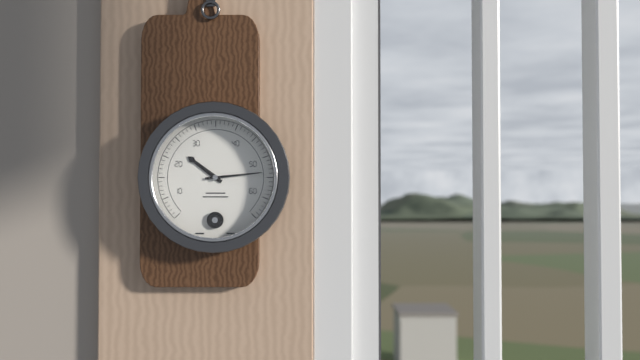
10.14
